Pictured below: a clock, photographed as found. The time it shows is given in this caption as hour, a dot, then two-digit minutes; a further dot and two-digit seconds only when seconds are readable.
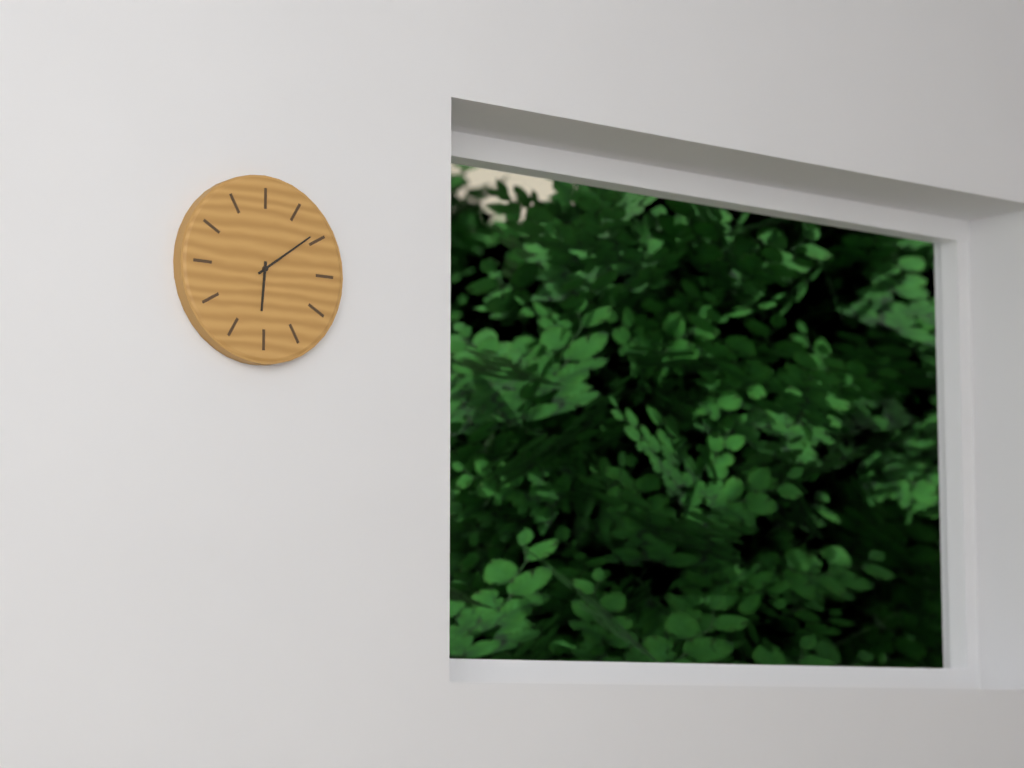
6.09
